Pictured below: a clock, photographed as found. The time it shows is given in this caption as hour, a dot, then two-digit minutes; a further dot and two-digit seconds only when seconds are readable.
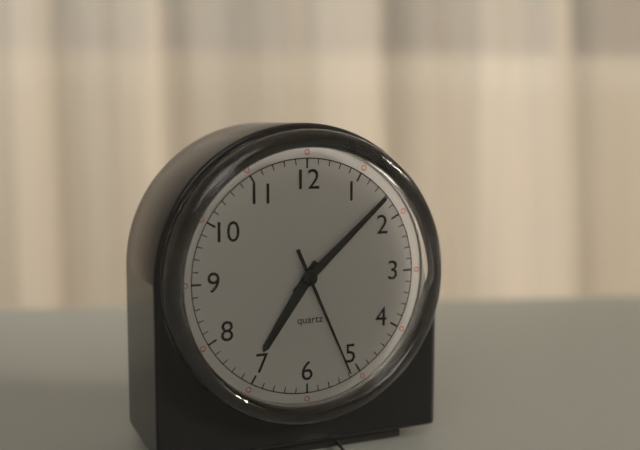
7.08.26
